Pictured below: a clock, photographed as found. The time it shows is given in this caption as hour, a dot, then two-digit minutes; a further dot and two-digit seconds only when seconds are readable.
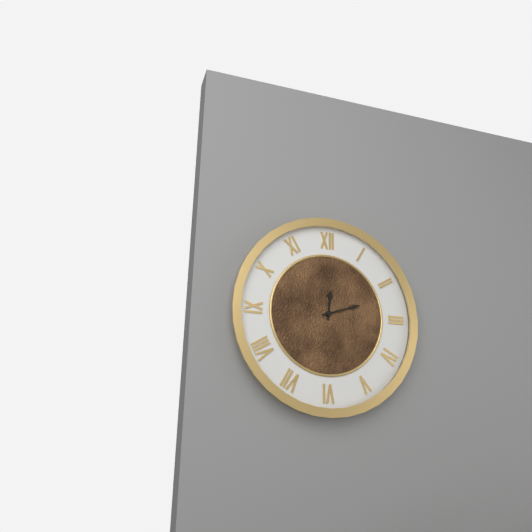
12.12
